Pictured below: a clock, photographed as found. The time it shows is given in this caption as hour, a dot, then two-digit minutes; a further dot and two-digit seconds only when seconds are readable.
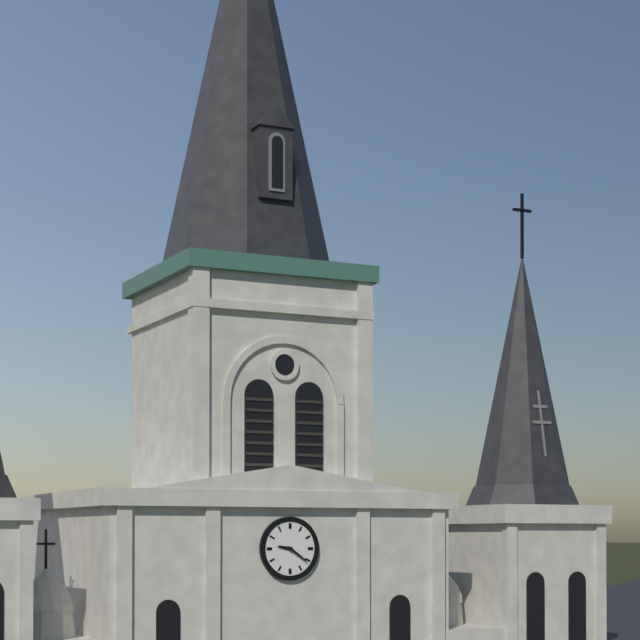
9.21
